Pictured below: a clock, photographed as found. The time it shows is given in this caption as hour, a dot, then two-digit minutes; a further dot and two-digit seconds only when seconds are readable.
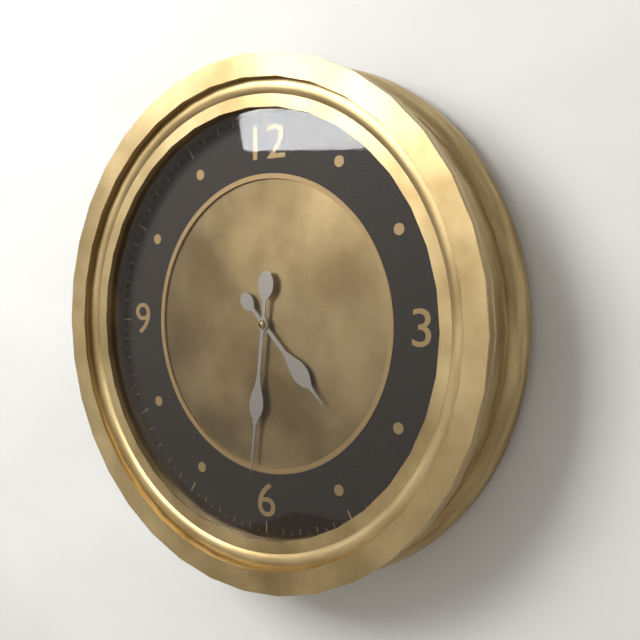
4.31
